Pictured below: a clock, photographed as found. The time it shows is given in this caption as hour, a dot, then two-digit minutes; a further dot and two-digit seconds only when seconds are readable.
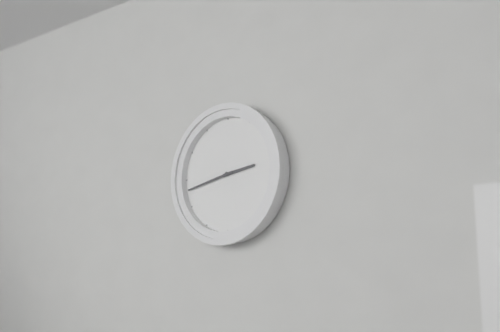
2.43
